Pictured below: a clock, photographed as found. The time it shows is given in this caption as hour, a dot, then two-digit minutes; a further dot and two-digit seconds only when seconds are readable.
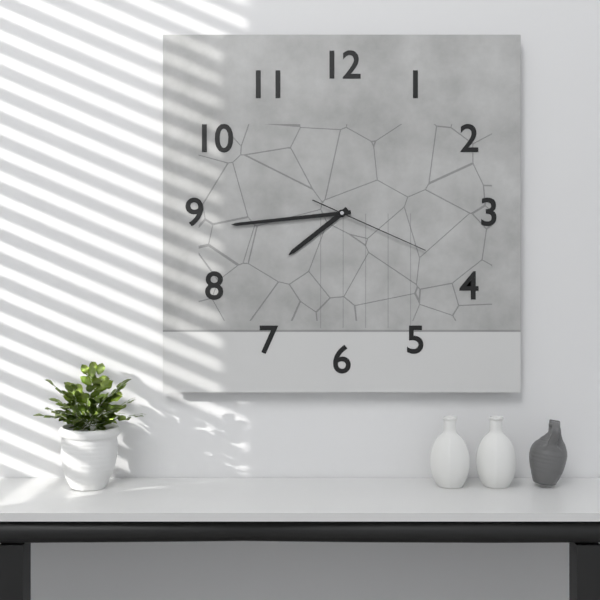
7.44.19
